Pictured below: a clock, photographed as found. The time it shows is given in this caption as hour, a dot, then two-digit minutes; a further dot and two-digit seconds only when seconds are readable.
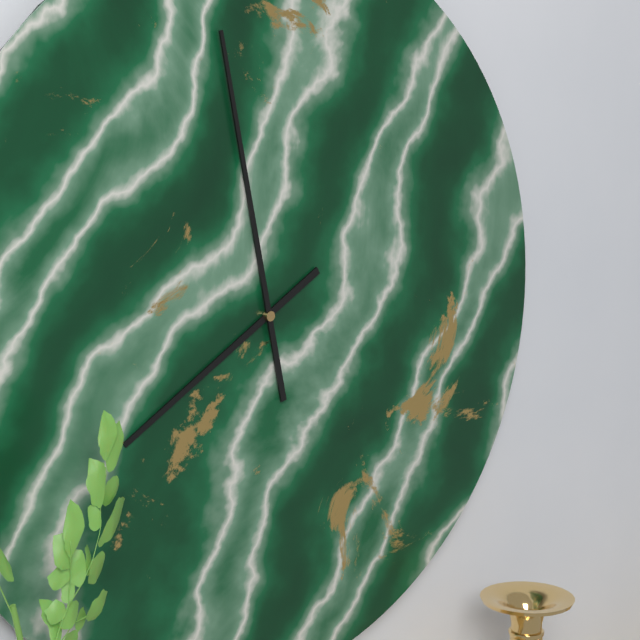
7.58
